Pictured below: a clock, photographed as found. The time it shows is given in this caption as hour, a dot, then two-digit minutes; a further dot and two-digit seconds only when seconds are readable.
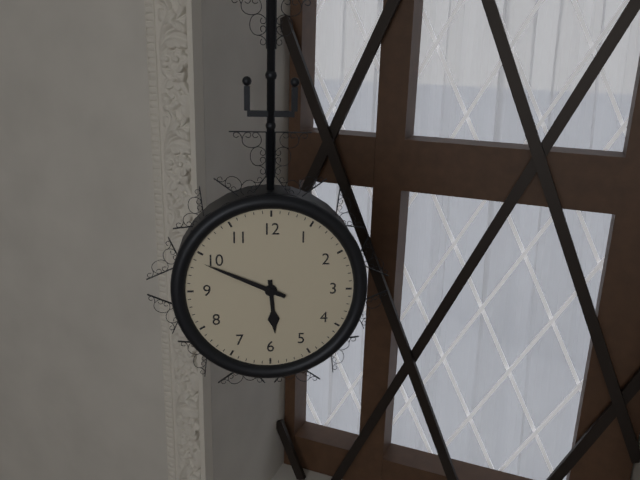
5.49
